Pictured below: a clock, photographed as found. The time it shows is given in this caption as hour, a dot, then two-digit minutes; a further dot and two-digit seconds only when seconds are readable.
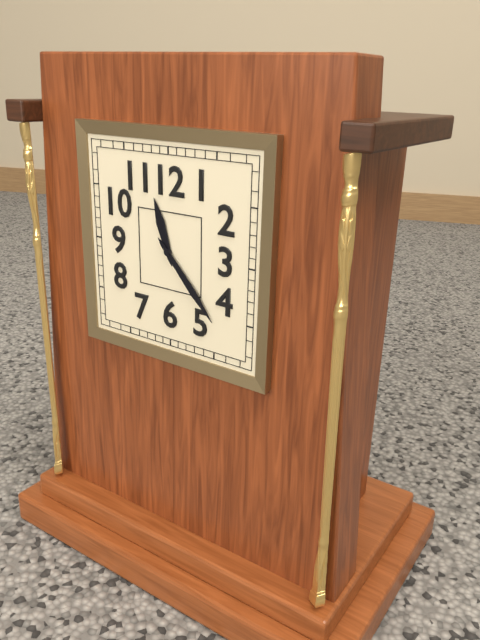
11.23
